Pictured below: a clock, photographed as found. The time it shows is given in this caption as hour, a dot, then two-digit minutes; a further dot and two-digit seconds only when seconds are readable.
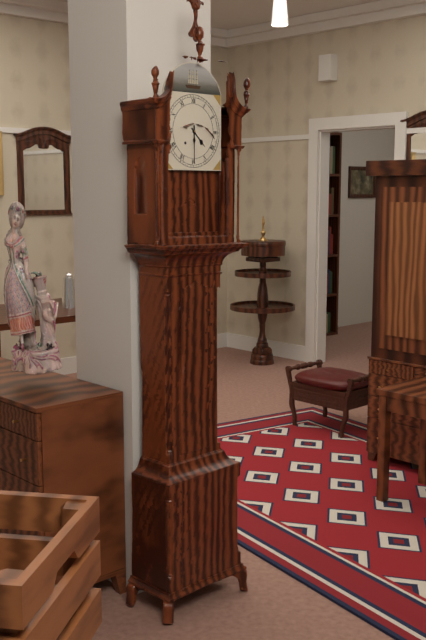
4.30
